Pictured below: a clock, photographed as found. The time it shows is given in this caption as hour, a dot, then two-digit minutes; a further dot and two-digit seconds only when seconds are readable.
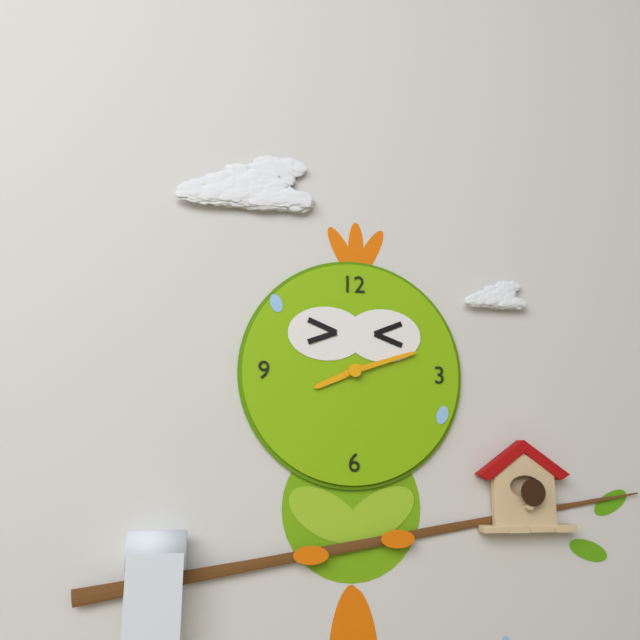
8.12
